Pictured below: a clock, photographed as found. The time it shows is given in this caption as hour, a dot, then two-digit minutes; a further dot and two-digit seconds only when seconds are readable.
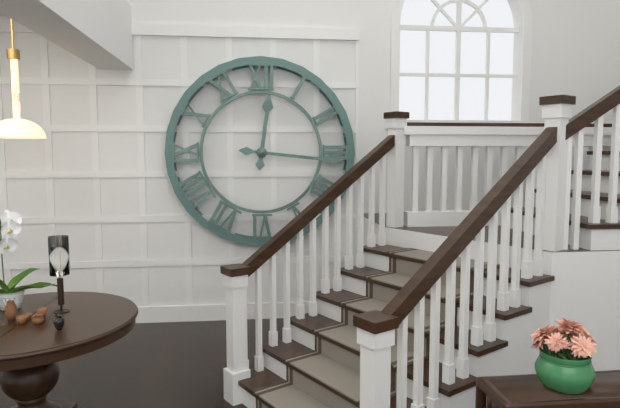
12.16
